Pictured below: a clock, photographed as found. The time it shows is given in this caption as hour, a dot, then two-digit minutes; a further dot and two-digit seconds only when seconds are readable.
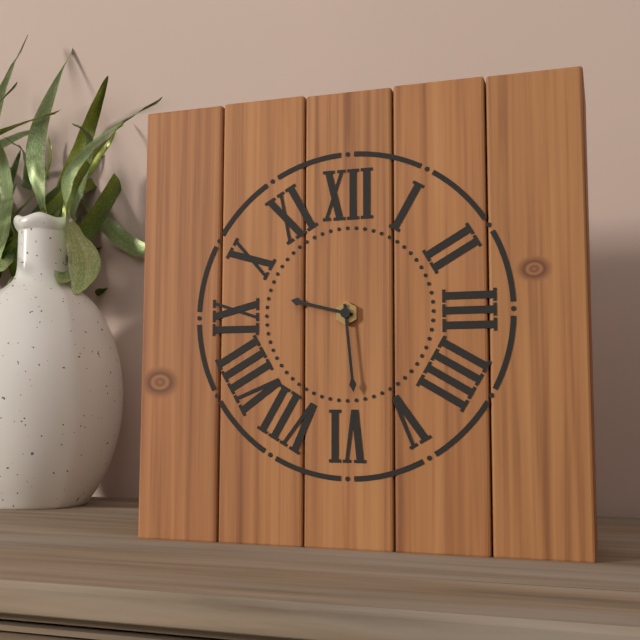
9.29
